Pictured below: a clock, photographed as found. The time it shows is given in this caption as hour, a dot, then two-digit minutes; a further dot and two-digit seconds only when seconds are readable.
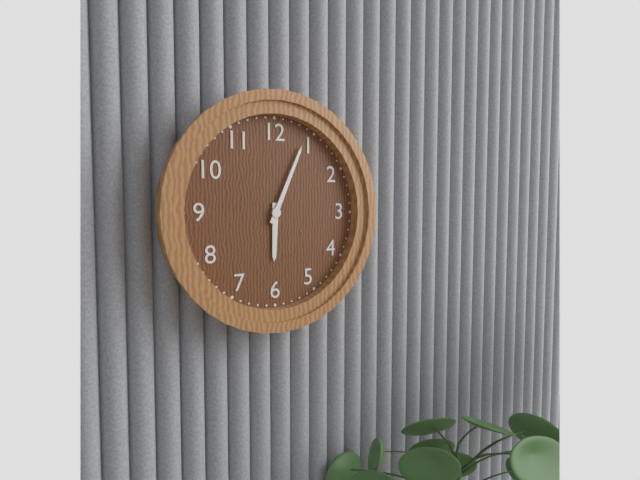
6.04
